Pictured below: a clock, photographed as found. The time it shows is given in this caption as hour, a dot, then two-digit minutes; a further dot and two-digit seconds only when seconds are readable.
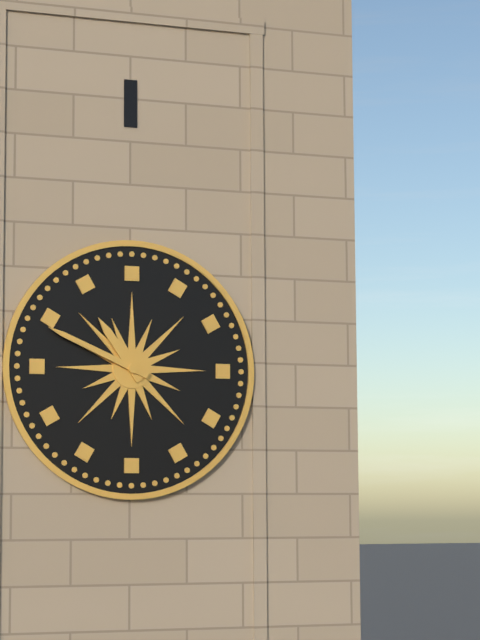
10.49
